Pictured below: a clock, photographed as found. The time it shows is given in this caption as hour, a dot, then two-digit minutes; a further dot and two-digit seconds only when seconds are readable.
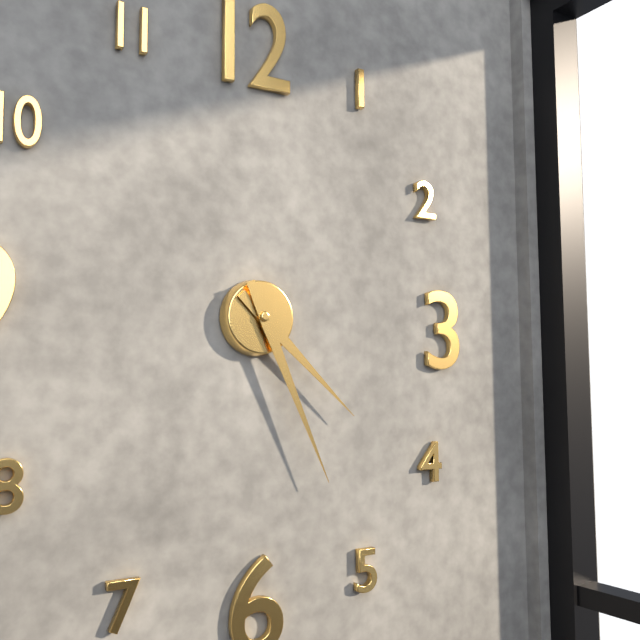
4.26
